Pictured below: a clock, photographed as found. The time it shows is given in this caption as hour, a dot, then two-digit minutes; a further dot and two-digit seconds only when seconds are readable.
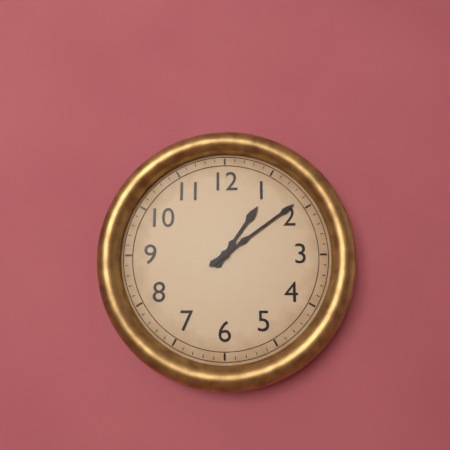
1.09
